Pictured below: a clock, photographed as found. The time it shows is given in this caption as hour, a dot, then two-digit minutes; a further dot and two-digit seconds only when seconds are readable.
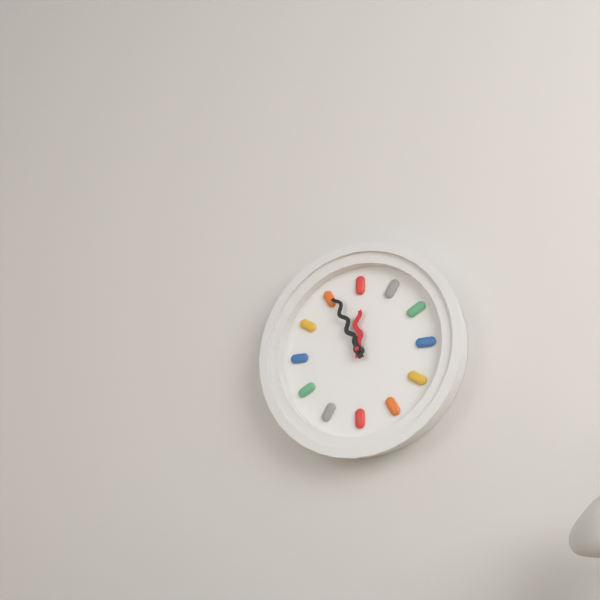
11.56
